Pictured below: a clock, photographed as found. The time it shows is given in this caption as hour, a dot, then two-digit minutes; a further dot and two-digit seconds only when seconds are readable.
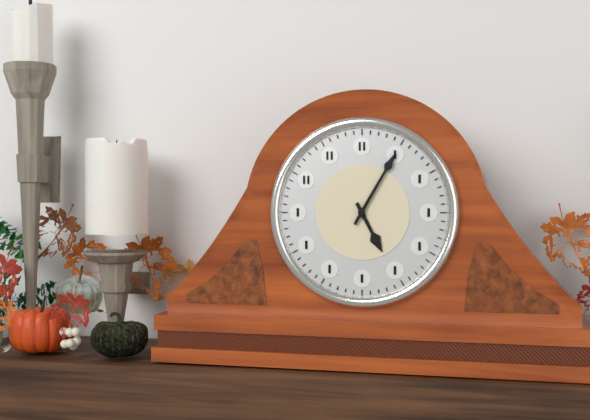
5.05
